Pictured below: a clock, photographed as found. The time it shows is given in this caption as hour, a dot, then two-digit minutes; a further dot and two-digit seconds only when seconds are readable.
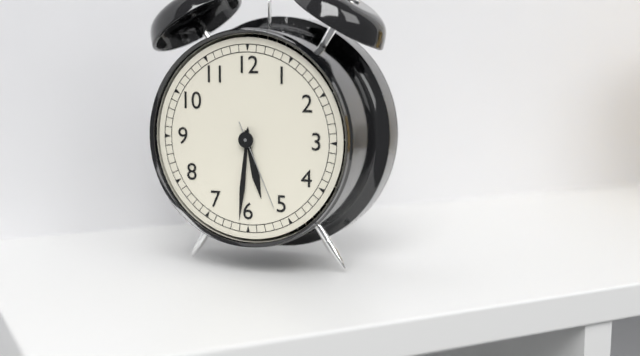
5.31.26
